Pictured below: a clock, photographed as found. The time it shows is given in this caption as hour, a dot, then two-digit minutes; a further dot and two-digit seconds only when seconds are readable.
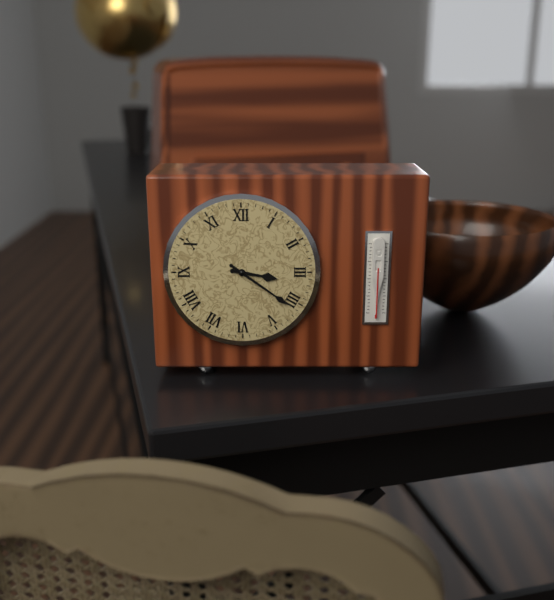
3.21
